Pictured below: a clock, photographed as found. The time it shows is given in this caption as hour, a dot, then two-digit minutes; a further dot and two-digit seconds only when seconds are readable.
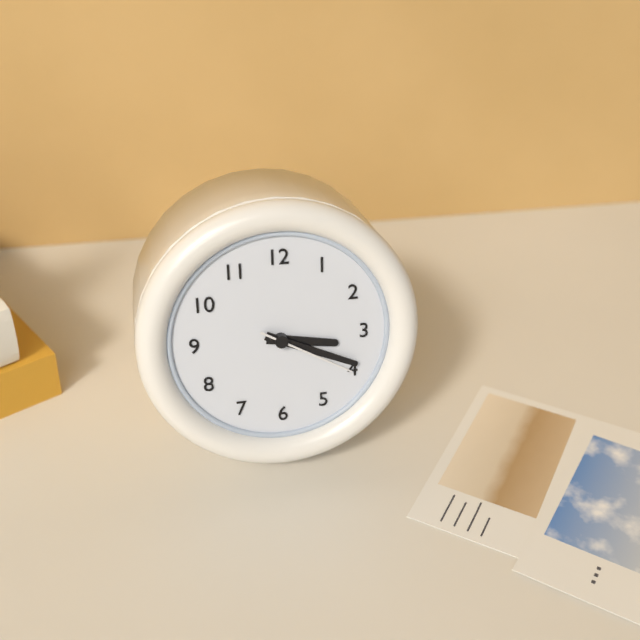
3.19.20
